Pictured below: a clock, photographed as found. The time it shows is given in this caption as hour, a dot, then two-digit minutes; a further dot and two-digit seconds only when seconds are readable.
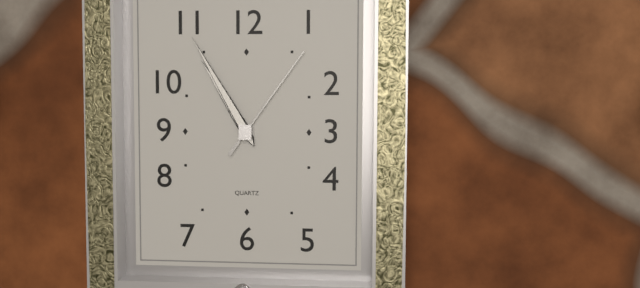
10.55.06
